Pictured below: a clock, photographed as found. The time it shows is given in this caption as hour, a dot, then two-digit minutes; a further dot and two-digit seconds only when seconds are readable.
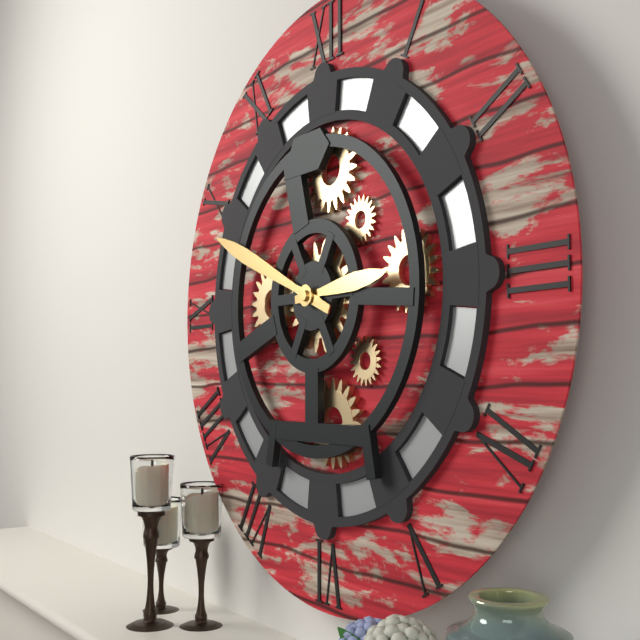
2.49
